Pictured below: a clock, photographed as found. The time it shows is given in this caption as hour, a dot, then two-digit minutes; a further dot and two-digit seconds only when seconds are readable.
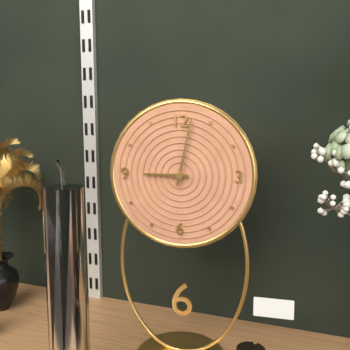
9.02
